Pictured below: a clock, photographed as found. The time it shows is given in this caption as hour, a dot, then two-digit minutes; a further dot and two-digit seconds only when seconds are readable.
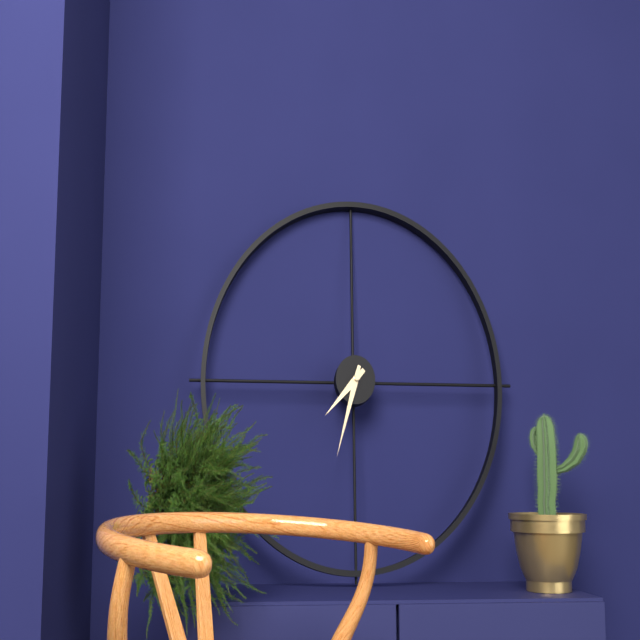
7.33
